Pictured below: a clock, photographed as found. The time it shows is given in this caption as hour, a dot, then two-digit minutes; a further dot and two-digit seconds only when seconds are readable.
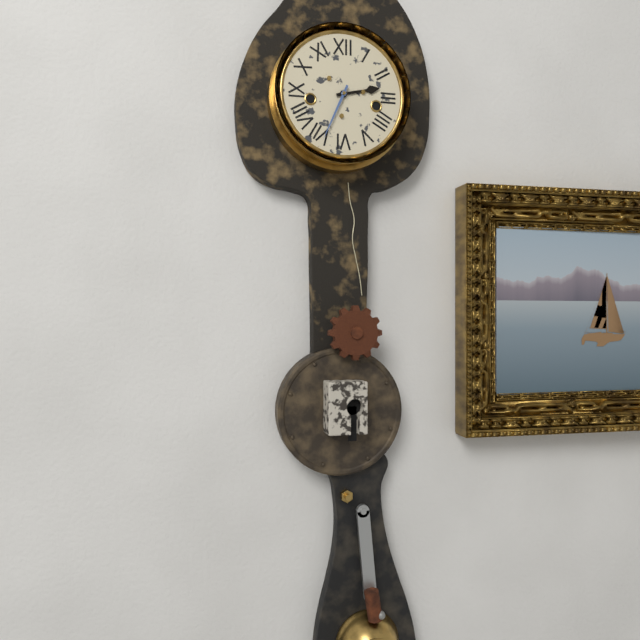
2.34
